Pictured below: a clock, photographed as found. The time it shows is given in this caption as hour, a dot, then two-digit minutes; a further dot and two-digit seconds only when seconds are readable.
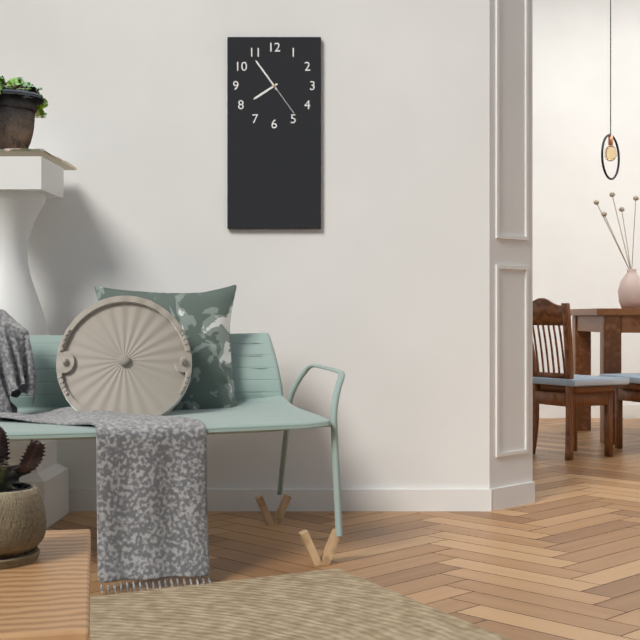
7.54
